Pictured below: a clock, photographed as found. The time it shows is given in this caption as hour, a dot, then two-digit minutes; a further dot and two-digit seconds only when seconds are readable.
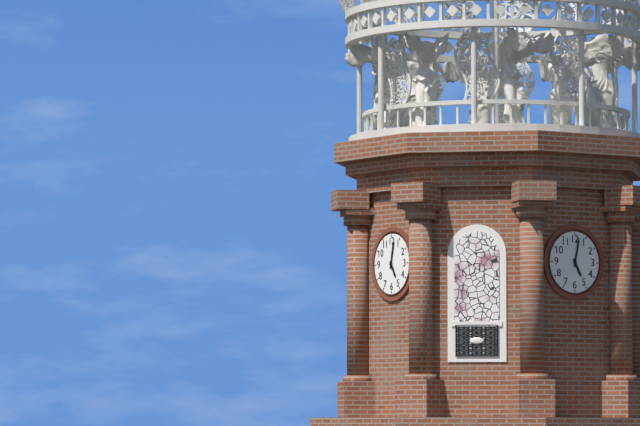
5.02
